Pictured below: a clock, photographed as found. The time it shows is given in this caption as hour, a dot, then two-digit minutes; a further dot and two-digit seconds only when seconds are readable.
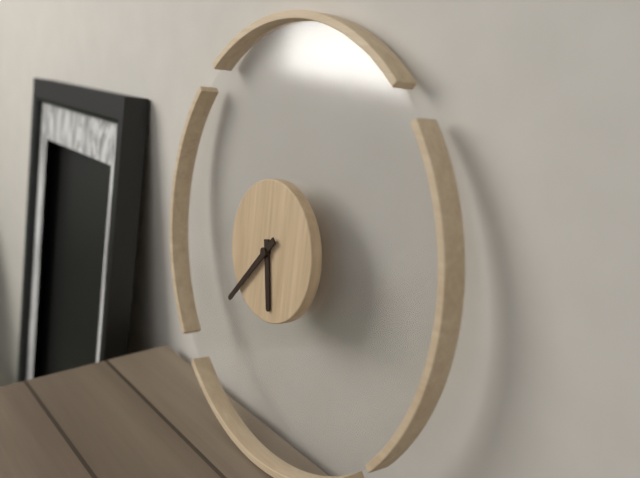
5.37
